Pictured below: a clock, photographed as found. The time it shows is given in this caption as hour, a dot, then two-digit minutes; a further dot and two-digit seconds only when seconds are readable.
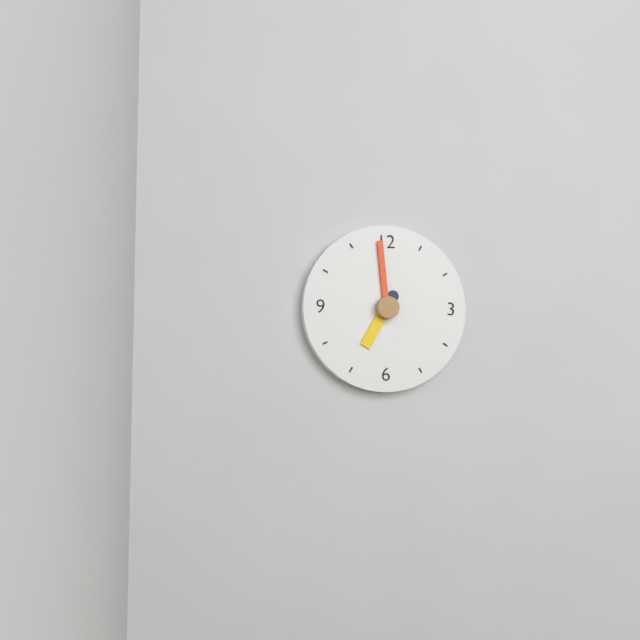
6.59
